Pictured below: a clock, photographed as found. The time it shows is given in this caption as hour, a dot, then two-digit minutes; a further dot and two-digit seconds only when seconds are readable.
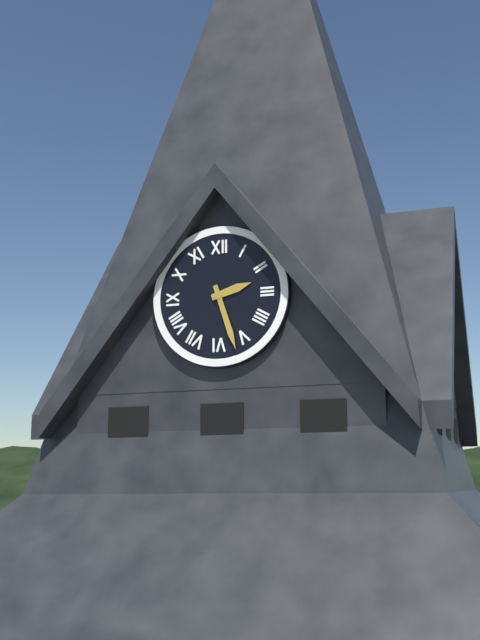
2.27
